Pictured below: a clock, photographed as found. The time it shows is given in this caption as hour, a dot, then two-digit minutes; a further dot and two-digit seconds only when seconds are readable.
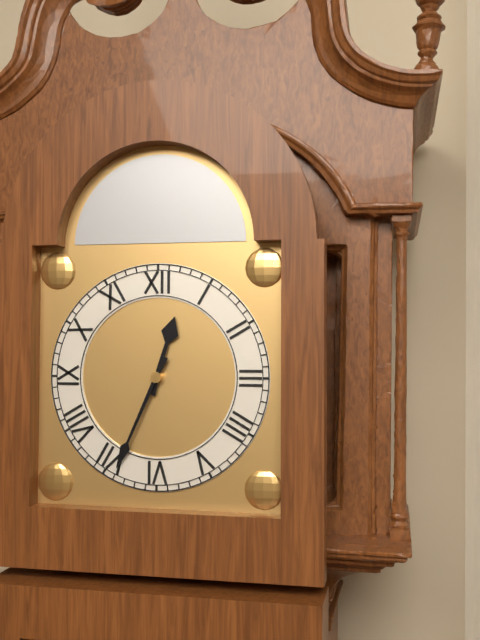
12.34
